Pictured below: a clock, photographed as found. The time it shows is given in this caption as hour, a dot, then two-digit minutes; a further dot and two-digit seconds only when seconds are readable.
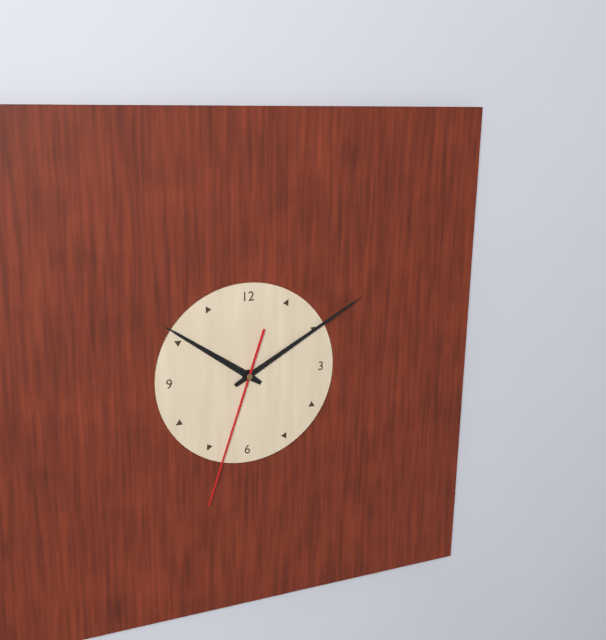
10.10.33
